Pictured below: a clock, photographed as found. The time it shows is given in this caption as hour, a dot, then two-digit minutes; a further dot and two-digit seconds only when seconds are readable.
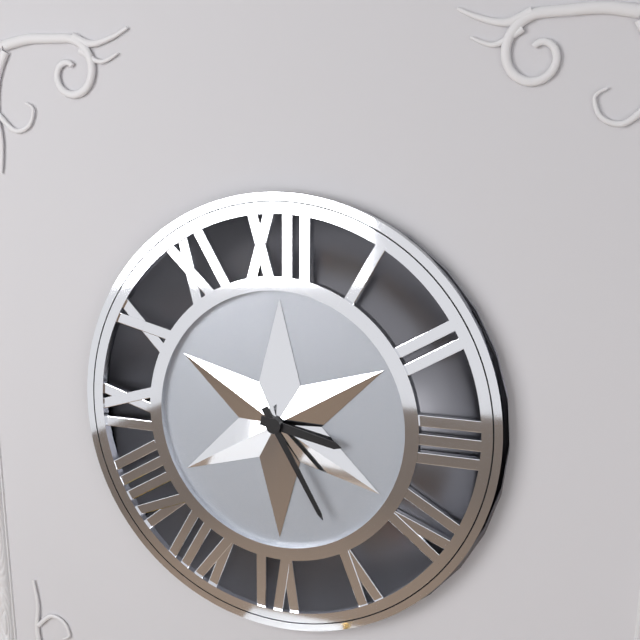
3.25
